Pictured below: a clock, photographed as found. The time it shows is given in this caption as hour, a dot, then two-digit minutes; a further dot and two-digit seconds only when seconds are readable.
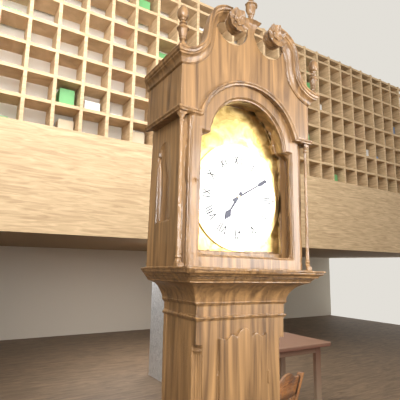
7.10
